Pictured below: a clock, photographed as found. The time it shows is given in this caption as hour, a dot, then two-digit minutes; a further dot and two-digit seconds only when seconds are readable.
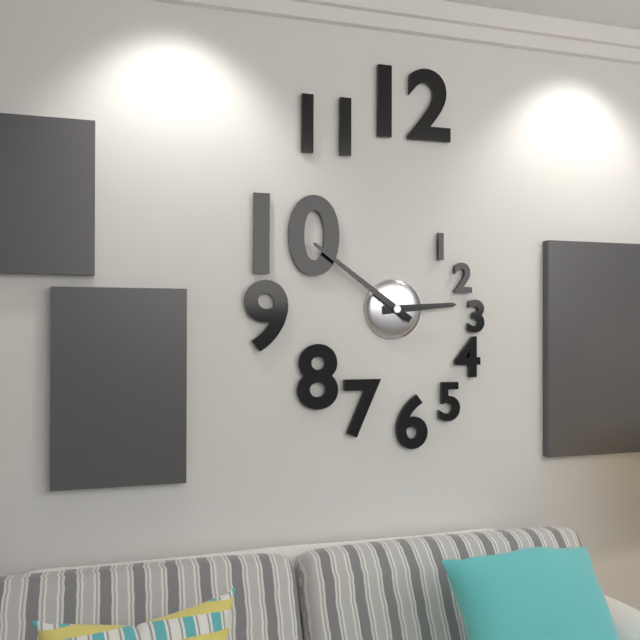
2.51
